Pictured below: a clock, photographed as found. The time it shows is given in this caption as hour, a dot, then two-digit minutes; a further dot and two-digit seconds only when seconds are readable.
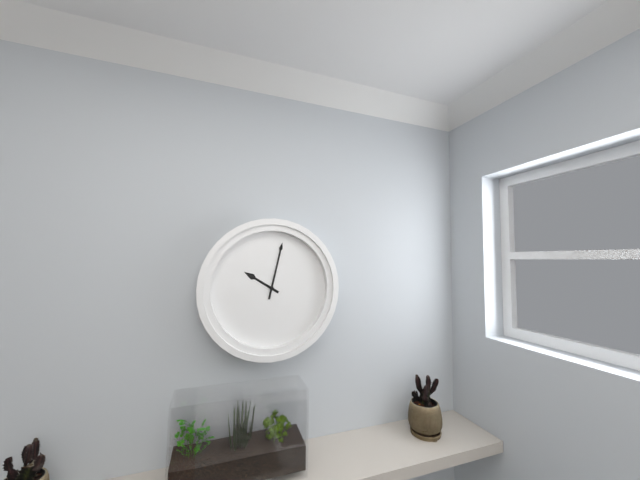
10.02
